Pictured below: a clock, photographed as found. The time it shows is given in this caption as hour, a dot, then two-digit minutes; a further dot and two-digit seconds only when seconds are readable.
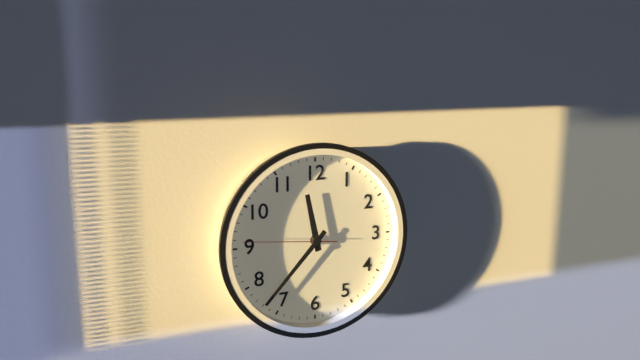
11.37.46
